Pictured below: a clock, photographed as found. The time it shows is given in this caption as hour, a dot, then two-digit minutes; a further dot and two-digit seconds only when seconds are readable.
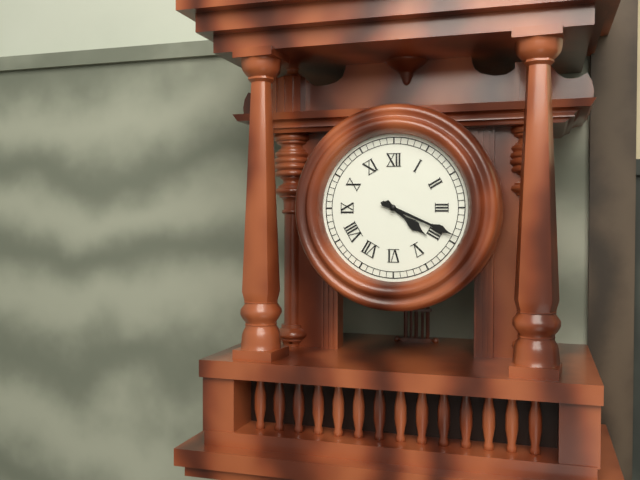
4.19
